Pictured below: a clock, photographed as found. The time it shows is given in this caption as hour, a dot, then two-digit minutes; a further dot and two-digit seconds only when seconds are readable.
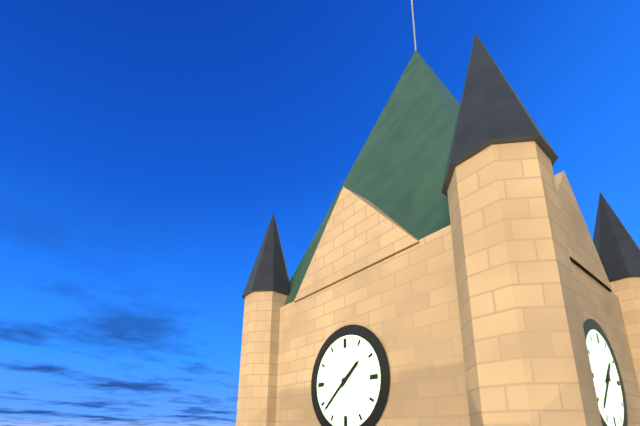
1.38
